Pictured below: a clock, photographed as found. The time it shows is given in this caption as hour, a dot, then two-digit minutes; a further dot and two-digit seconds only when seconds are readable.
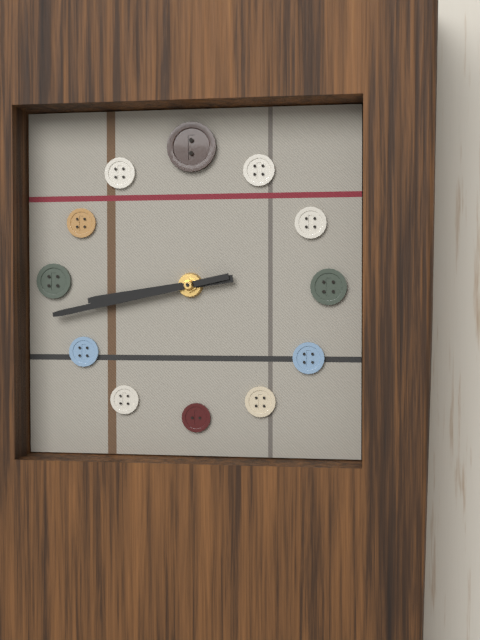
8.43
